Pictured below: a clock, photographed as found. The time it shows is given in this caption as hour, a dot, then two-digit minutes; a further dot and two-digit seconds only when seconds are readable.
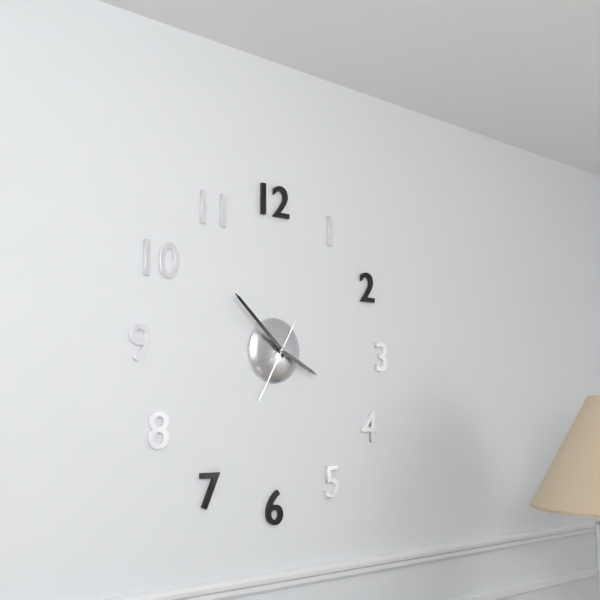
3.52.35
